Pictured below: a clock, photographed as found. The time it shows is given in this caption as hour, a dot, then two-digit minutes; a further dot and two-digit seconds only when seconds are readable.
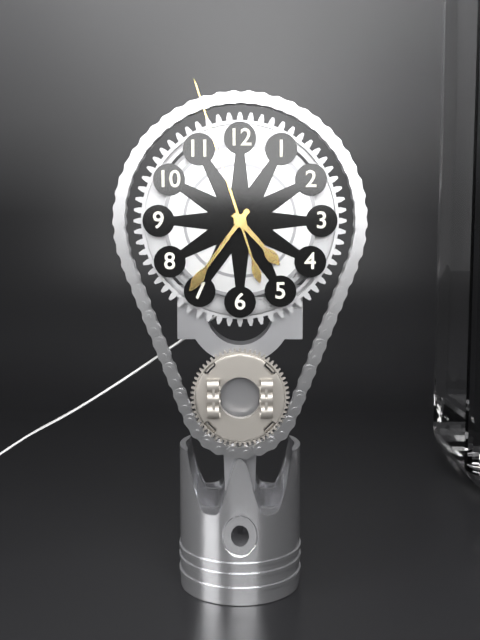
4.36.57
